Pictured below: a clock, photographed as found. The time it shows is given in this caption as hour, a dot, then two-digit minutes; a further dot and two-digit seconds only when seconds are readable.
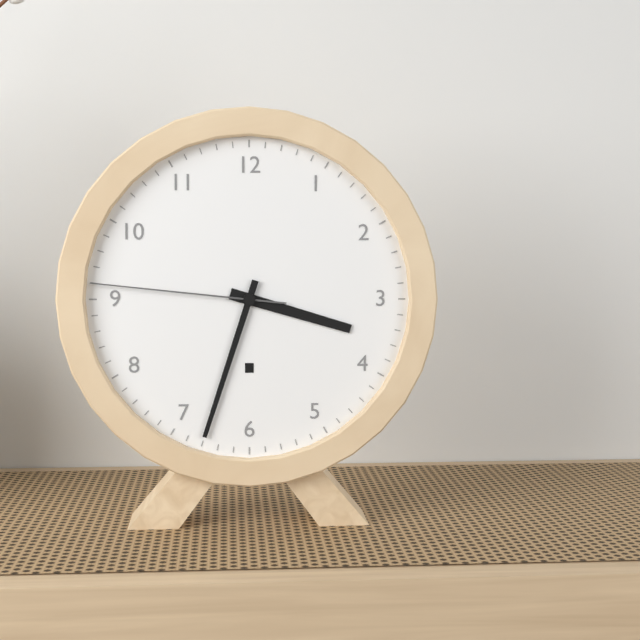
3.33.46
